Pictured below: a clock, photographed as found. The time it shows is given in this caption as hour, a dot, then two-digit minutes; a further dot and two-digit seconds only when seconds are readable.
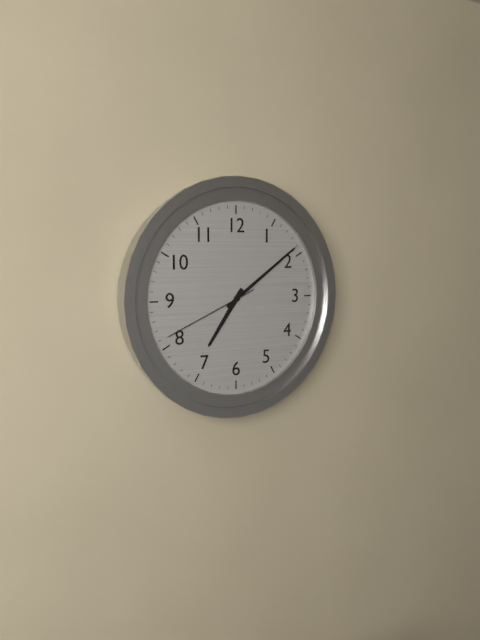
7.09.41
